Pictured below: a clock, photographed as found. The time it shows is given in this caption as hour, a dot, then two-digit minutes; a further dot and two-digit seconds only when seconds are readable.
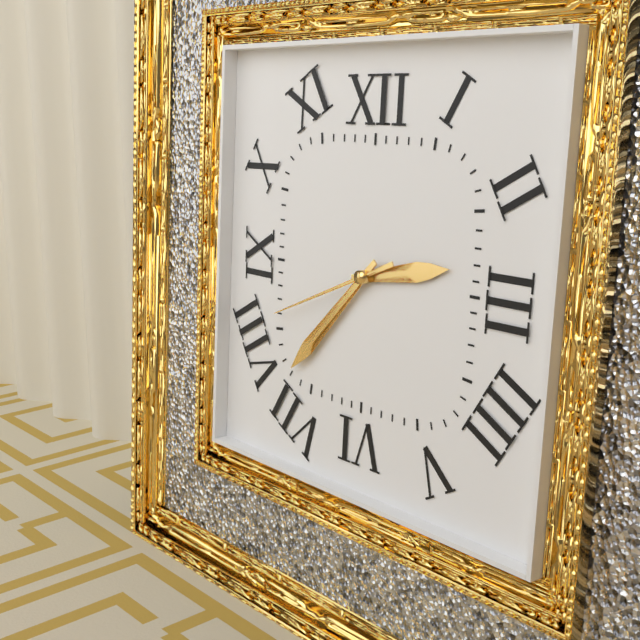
2.37.41
